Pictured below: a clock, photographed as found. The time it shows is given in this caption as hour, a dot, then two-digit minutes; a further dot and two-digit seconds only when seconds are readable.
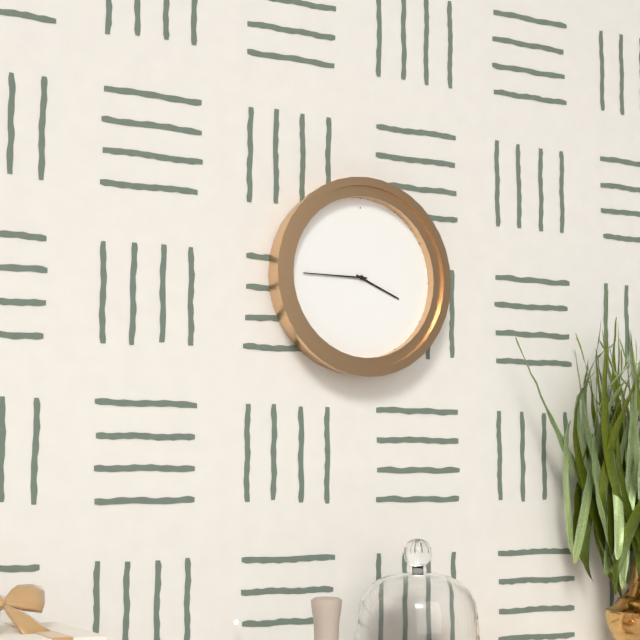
3.45
